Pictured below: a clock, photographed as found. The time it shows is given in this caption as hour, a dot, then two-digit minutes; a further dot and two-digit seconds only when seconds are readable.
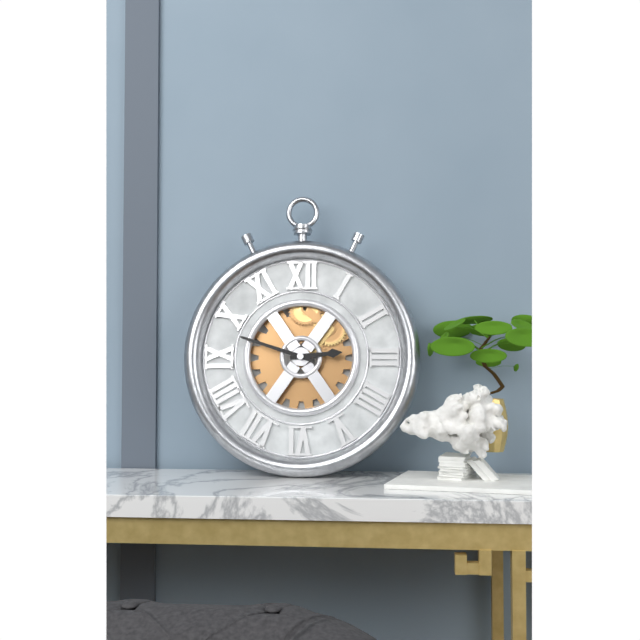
2.48
